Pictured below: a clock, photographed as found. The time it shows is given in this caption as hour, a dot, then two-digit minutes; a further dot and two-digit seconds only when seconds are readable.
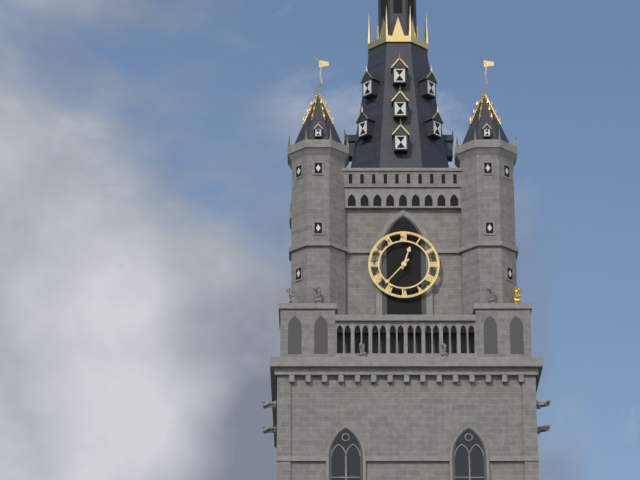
12.37
